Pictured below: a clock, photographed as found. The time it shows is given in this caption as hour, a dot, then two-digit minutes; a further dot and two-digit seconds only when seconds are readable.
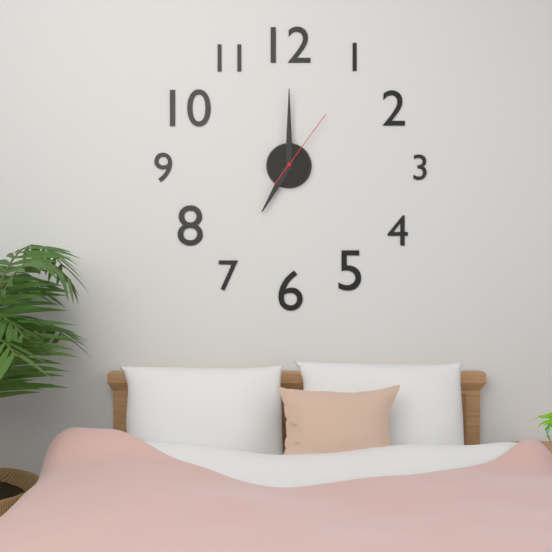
7.00.06
